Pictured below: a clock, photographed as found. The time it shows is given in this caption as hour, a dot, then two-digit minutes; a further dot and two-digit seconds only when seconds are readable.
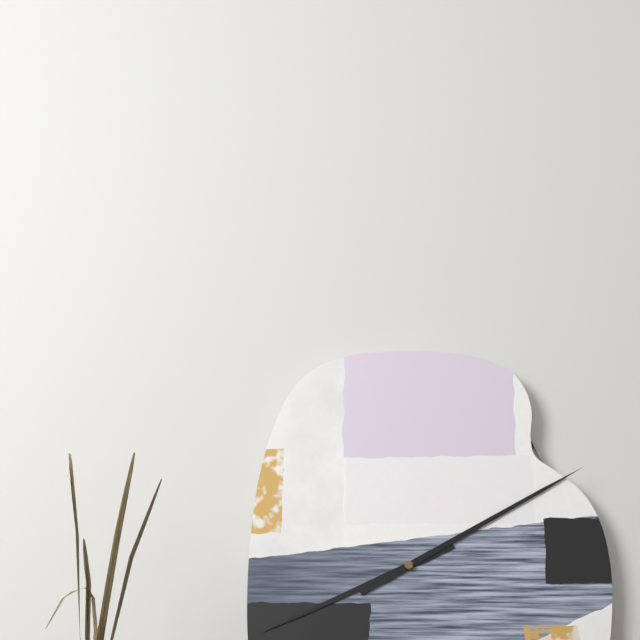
8.10
